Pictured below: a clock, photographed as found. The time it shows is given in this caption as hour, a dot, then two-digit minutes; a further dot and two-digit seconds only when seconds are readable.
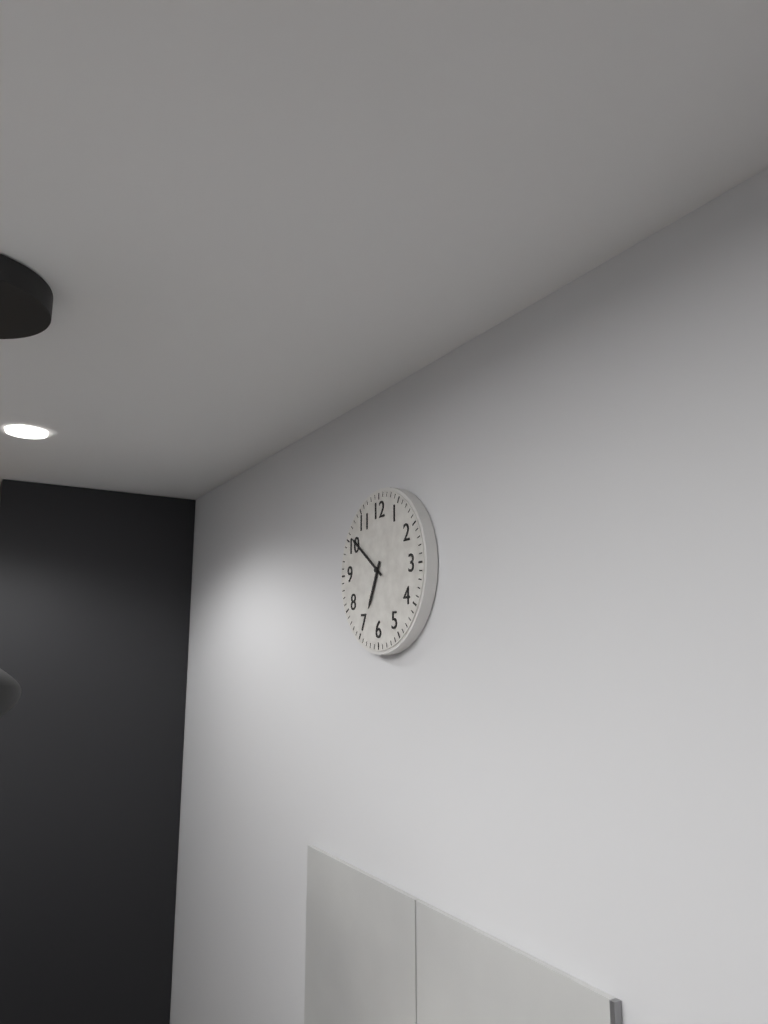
6.51
